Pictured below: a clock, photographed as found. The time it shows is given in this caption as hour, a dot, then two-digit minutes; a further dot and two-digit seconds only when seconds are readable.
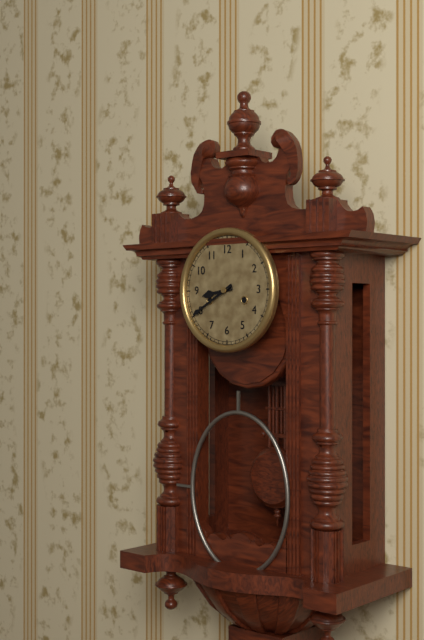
8.40
